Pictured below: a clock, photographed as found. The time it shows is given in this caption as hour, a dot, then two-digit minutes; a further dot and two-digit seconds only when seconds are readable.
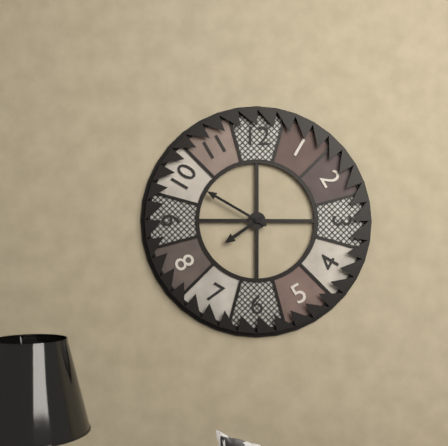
7.50
